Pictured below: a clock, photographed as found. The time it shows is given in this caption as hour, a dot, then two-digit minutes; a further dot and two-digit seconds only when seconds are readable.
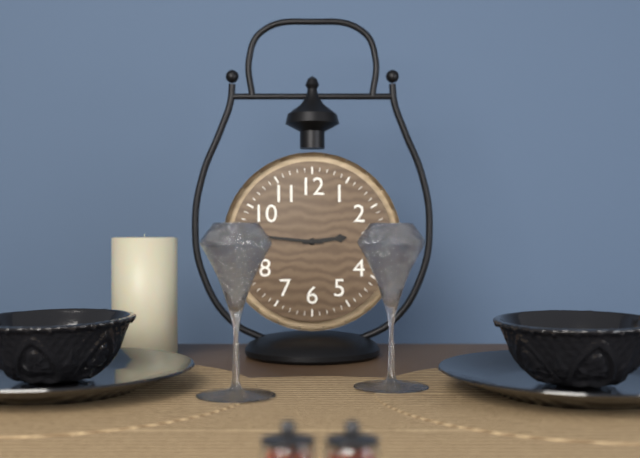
2.46
